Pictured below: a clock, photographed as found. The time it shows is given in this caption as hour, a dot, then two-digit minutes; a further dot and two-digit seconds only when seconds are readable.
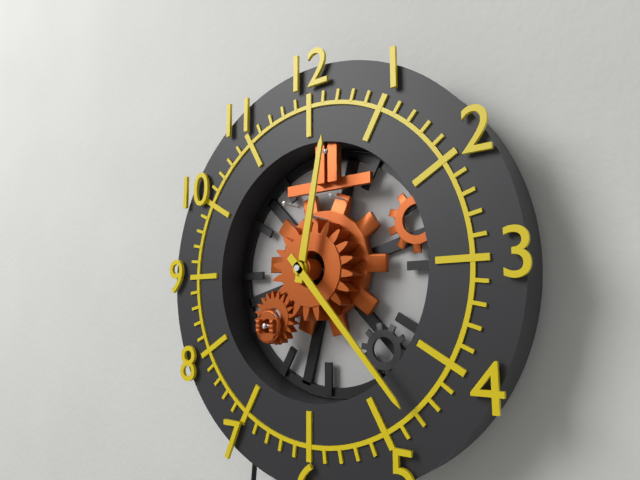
12.23
